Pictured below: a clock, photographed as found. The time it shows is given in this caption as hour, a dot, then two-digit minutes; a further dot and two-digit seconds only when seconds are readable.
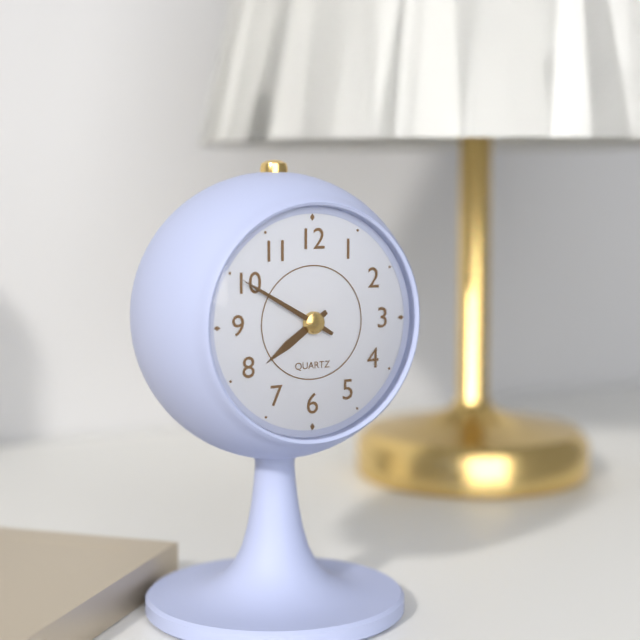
7.50
